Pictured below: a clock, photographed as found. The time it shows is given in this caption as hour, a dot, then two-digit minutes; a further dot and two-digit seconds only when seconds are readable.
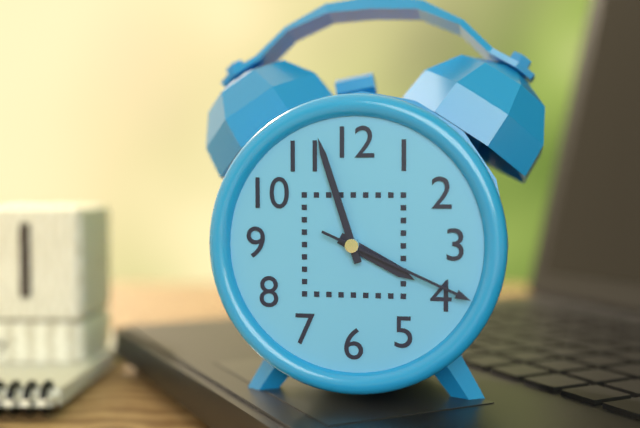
3.57.19
